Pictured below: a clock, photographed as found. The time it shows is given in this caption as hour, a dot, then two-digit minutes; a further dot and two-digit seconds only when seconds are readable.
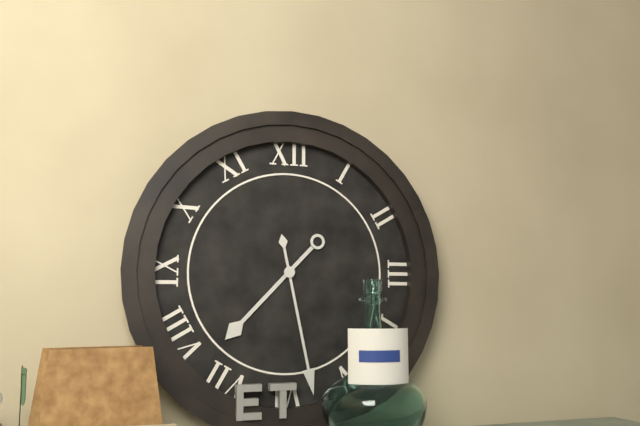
7.28
